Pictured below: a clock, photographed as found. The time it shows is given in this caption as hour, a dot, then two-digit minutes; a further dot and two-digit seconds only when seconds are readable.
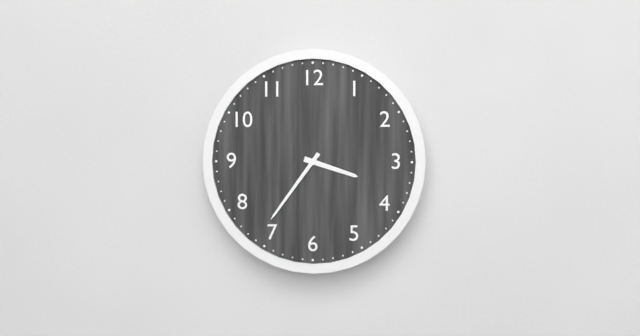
3.36
